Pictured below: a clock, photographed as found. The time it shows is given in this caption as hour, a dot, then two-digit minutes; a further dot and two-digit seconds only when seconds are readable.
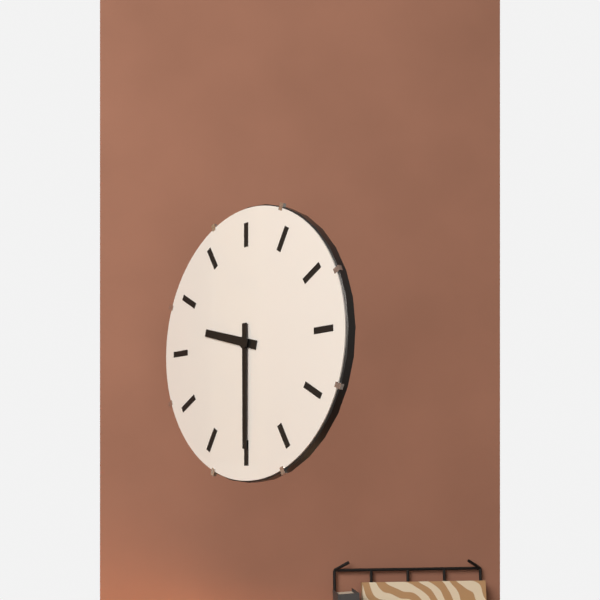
9.30
